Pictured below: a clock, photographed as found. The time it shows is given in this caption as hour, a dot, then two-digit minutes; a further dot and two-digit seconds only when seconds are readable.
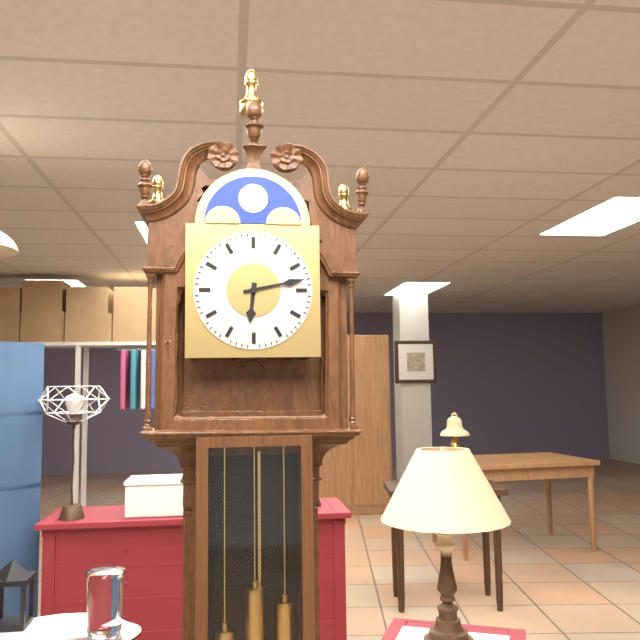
6.13
